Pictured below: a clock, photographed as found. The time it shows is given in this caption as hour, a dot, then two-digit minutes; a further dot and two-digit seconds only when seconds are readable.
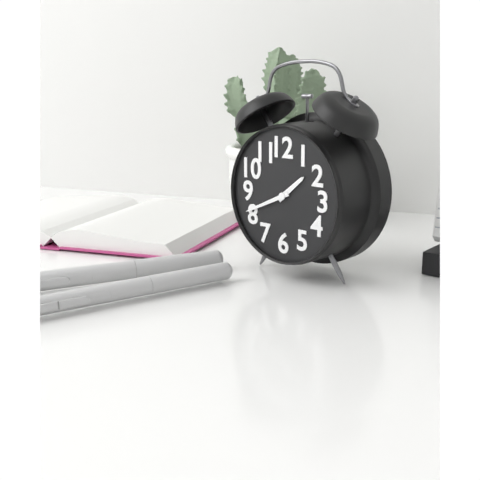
1.41
